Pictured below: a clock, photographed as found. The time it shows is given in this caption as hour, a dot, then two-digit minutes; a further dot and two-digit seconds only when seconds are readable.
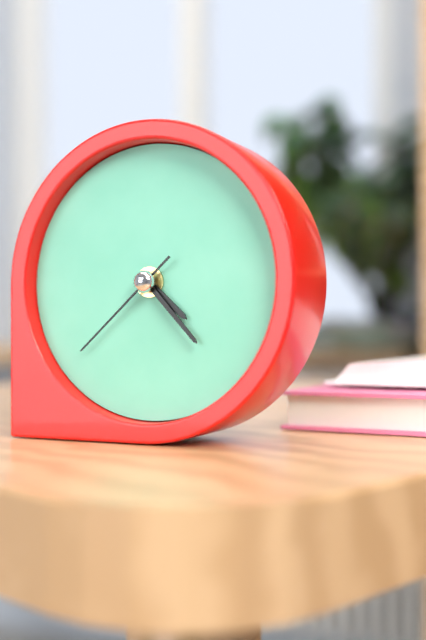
4.23.38
